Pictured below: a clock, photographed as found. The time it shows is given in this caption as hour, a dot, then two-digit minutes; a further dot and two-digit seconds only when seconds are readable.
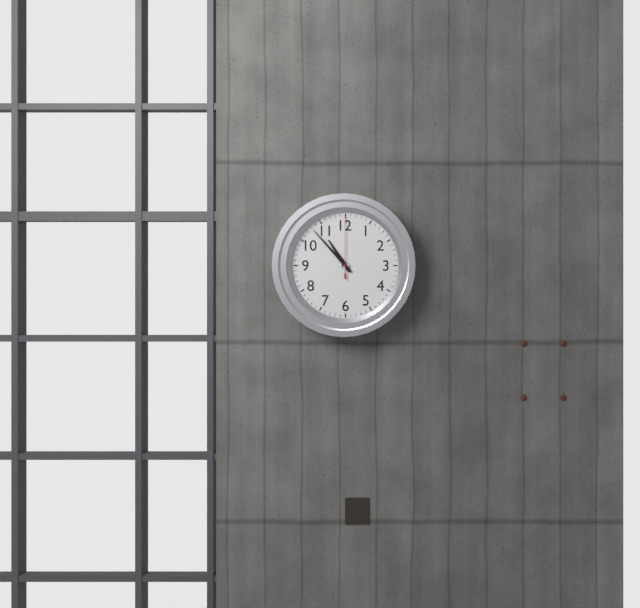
10.53.00
